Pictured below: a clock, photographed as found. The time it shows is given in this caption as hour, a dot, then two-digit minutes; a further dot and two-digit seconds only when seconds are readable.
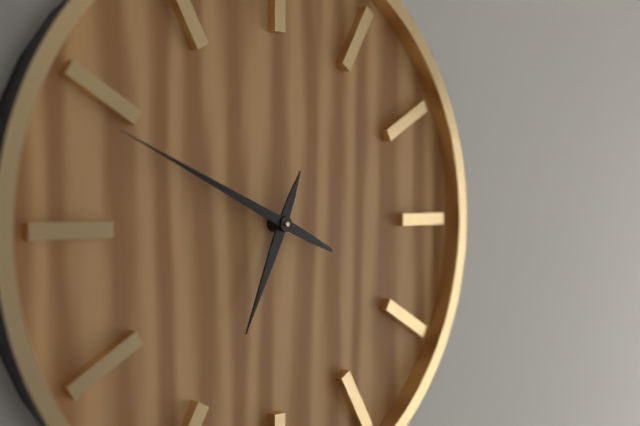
6.49
